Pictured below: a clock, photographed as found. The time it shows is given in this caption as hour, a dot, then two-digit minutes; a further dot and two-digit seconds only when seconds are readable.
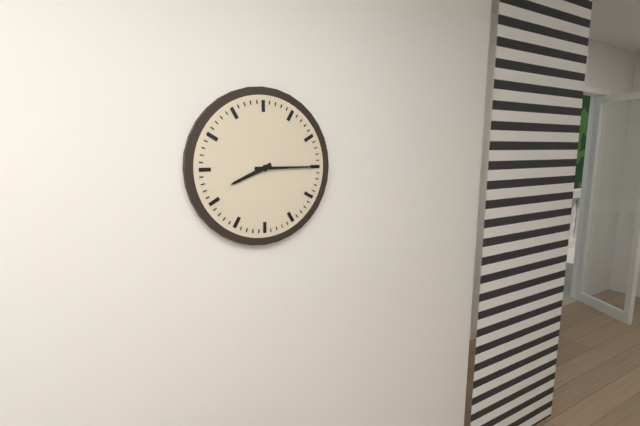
8.15
